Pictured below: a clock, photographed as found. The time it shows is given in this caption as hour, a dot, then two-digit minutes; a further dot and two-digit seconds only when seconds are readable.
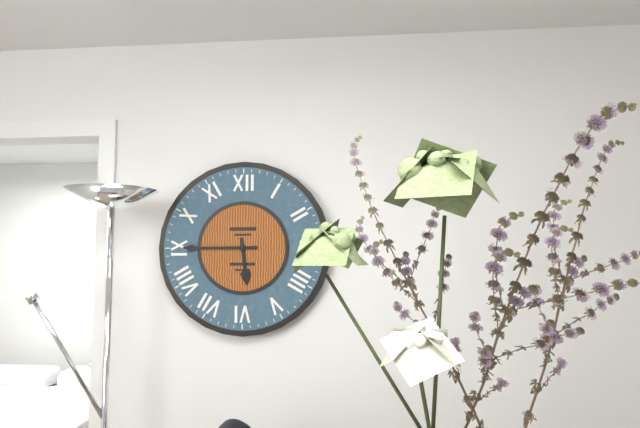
5.45
